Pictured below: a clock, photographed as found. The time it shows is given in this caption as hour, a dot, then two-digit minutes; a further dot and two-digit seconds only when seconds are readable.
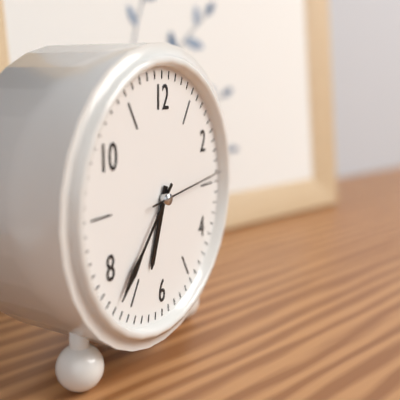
6.37.14
